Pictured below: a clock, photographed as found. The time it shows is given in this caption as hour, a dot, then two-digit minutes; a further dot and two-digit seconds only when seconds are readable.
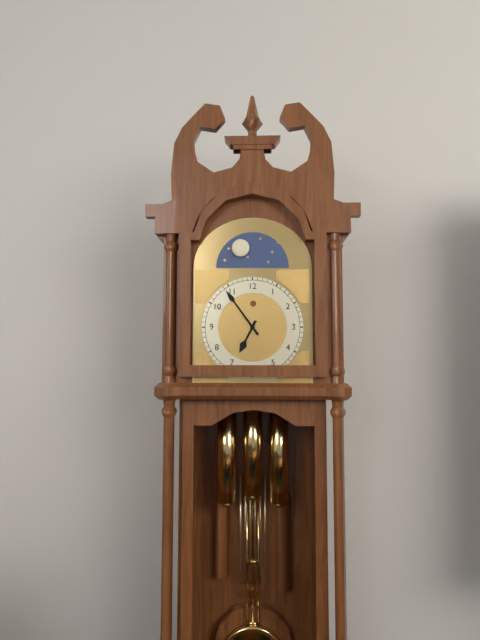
6.54
